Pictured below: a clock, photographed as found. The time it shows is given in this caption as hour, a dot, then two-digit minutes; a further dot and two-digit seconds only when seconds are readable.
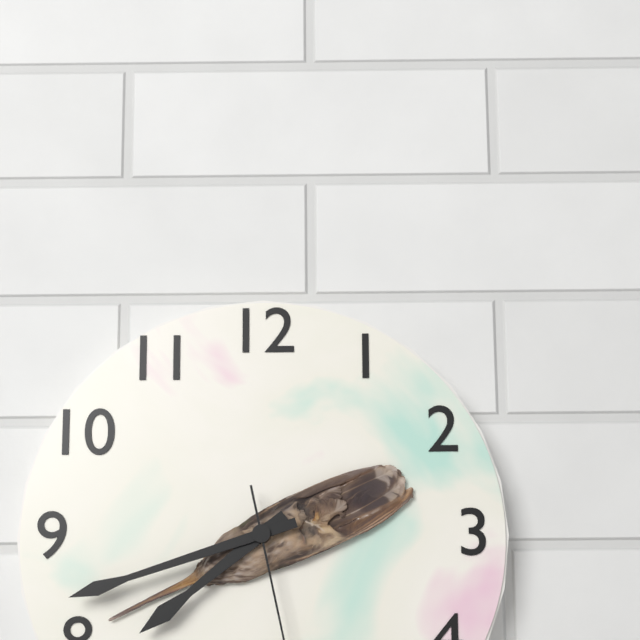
7.42
